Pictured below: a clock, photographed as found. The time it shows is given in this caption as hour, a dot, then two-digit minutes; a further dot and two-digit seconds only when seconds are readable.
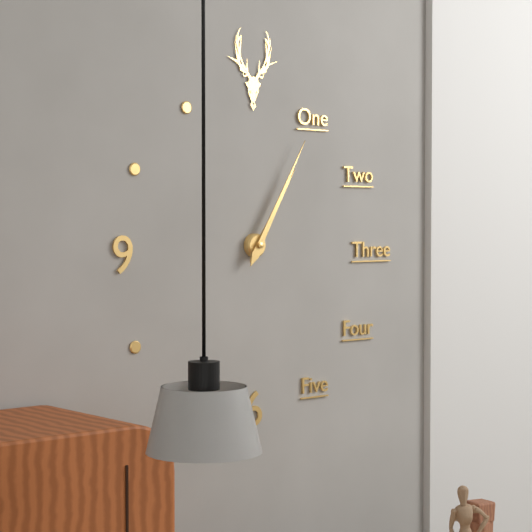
1.05
